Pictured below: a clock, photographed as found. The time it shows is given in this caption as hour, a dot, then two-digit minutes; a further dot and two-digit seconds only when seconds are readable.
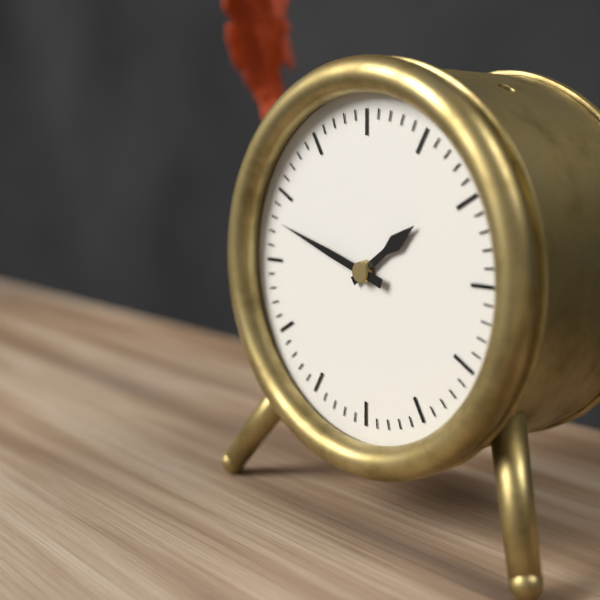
1.48
